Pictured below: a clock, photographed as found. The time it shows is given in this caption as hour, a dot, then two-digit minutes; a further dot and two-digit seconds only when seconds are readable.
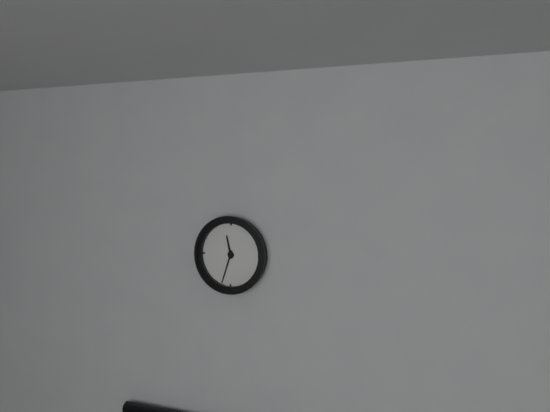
11.33
